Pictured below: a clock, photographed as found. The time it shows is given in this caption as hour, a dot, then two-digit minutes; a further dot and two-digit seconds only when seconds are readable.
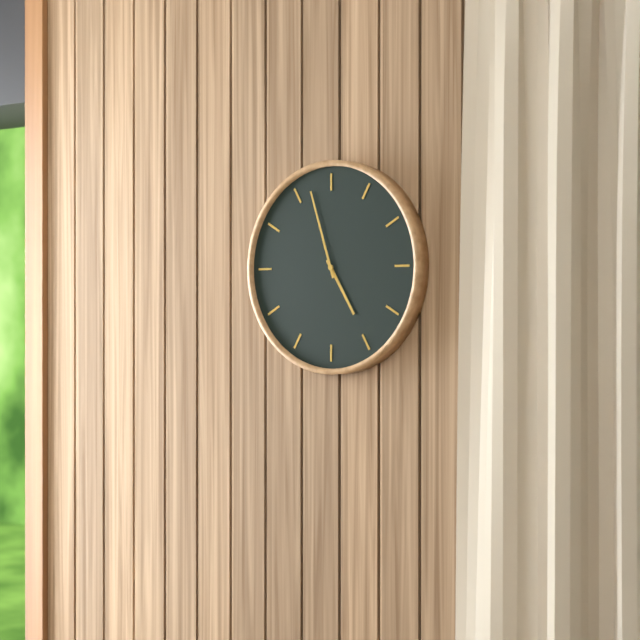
4.57
